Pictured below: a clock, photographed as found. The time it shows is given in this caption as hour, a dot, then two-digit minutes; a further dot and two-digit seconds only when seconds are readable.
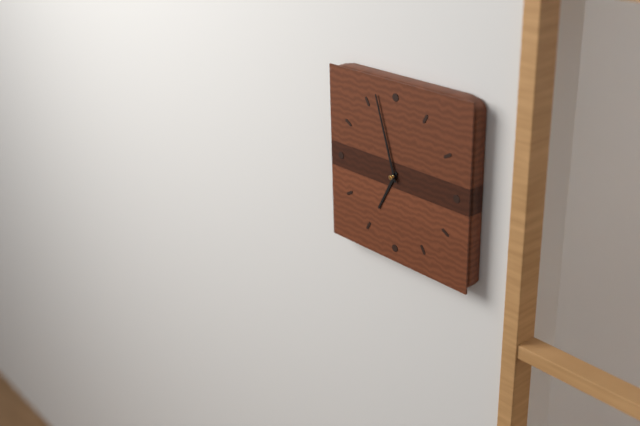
6.57
